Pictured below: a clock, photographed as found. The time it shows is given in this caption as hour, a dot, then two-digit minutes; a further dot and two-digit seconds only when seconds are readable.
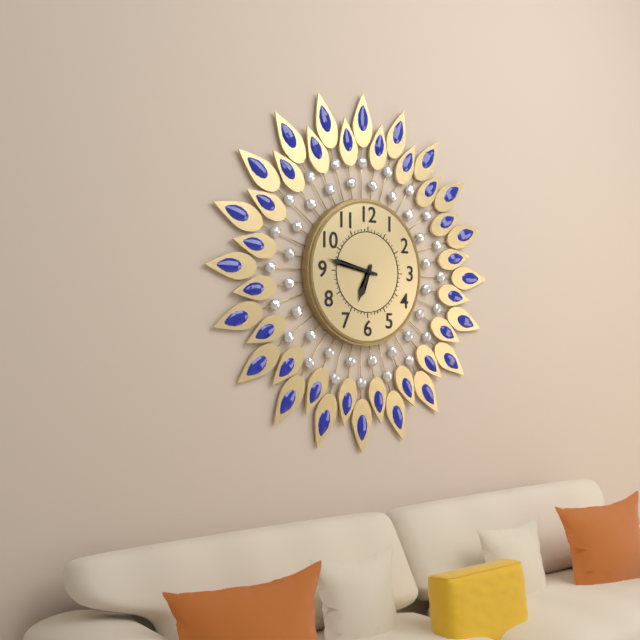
6.47
